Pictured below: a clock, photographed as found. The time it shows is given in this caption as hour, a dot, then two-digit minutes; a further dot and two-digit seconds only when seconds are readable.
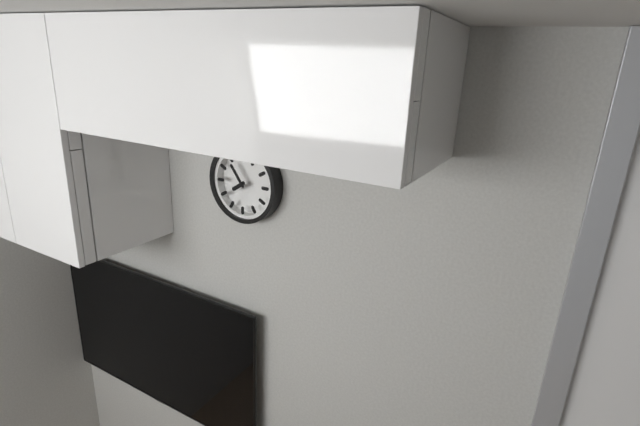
7.54
